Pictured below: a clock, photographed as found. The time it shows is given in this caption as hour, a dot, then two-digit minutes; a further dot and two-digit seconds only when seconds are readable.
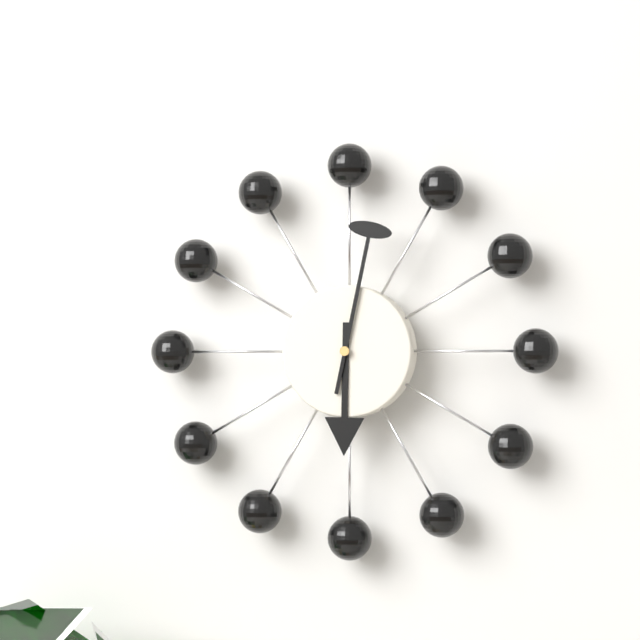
6.02
